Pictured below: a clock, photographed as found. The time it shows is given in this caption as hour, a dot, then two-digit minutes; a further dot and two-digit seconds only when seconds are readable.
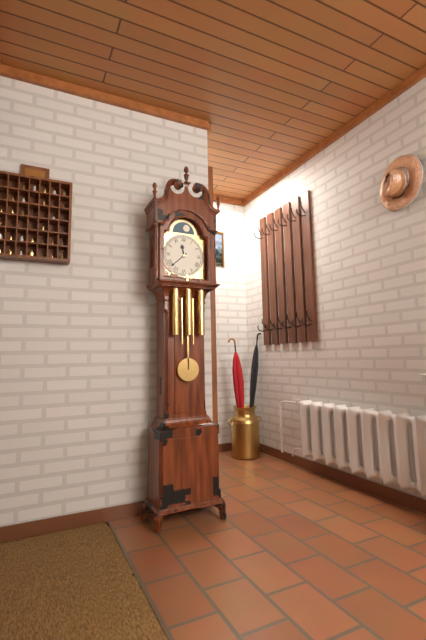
11.38
